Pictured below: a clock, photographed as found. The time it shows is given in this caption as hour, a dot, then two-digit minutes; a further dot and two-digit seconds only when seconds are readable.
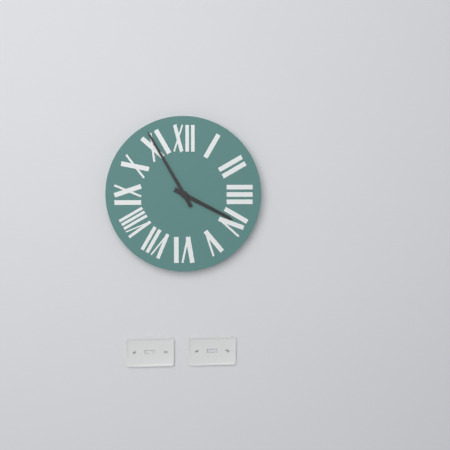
3.55
